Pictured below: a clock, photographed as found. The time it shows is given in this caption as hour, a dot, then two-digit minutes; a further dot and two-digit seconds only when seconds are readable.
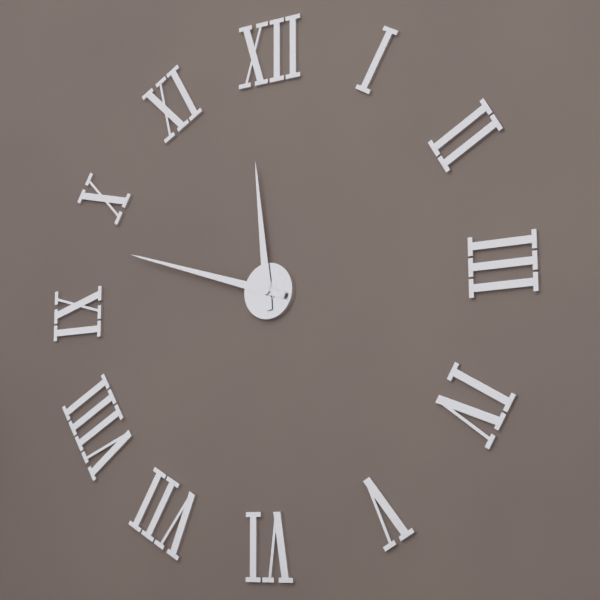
11.48
